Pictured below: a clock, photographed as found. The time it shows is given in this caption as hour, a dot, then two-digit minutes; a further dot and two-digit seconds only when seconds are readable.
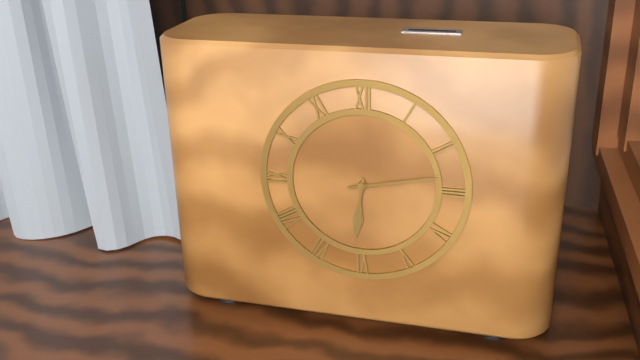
6.13
